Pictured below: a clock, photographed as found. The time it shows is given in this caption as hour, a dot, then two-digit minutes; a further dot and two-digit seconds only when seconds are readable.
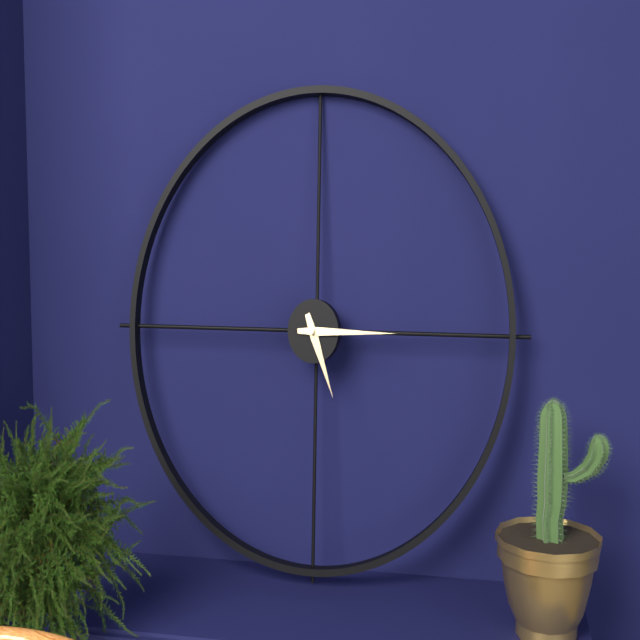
5.15
